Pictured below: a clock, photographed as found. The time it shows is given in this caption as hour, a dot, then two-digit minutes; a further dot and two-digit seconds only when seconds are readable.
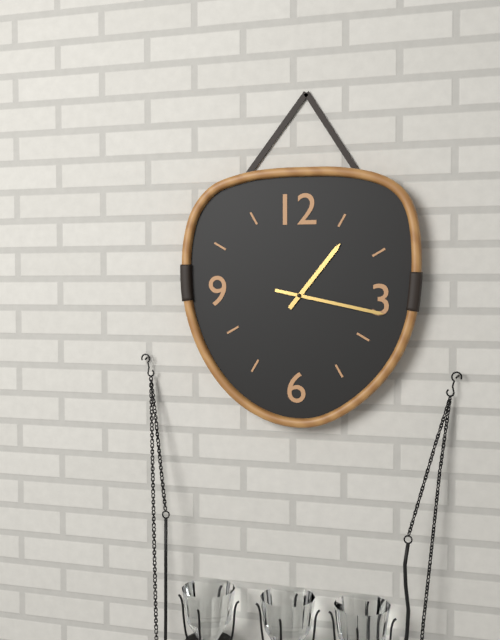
1.17
